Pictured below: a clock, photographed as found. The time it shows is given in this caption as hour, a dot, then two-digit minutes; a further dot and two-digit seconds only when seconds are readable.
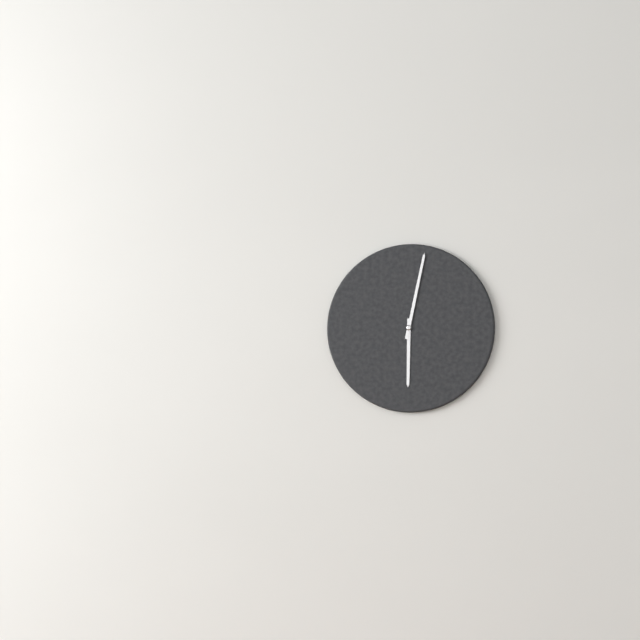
6.02
